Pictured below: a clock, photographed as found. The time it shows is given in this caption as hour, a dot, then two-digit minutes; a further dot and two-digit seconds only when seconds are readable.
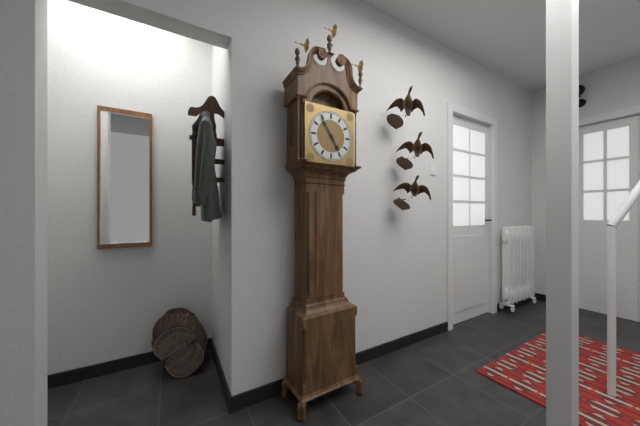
4.54
